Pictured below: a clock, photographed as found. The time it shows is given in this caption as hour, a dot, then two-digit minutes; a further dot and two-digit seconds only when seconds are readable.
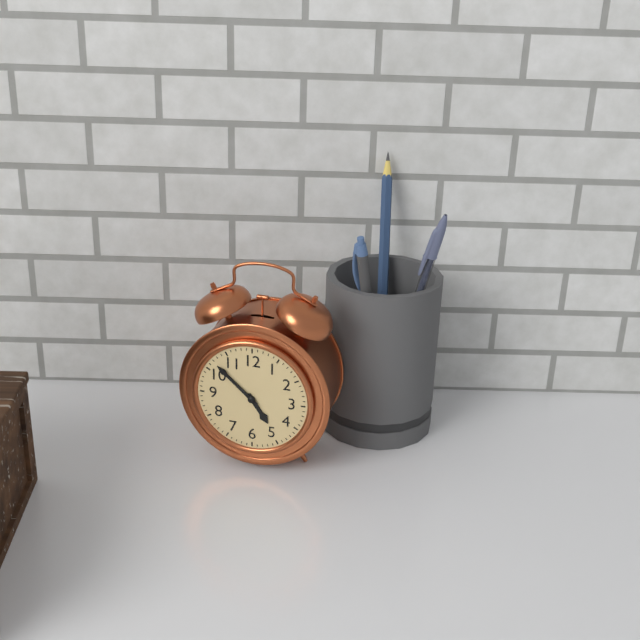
4.52
